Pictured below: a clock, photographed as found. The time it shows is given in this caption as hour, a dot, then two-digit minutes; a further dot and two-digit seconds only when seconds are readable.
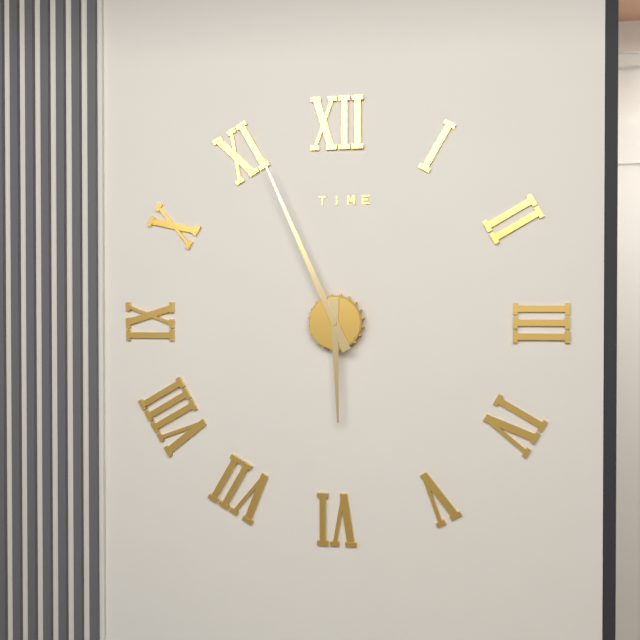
5.56
